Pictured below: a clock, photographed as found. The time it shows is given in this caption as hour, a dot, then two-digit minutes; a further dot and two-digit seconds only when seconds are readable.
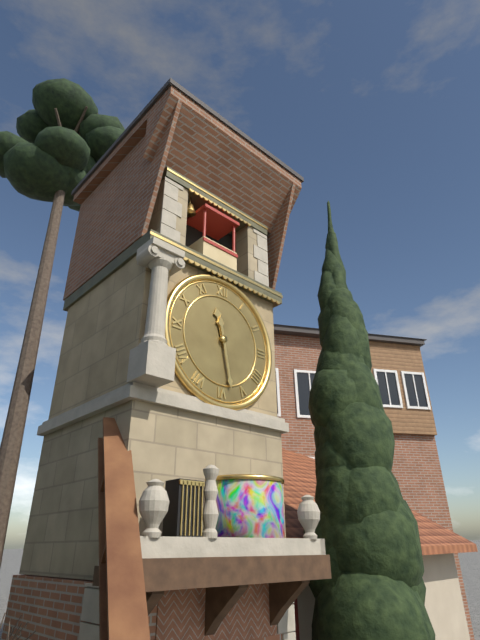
11.28
